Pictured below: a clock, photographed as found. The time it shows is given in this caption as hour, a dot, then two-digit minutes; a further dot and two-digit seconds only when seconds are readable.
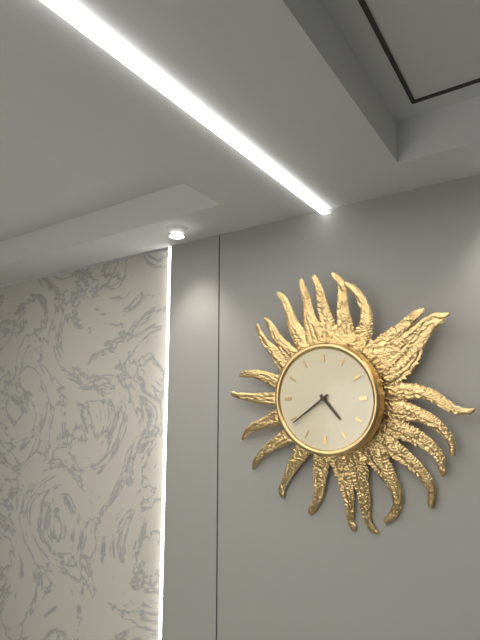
4.39
